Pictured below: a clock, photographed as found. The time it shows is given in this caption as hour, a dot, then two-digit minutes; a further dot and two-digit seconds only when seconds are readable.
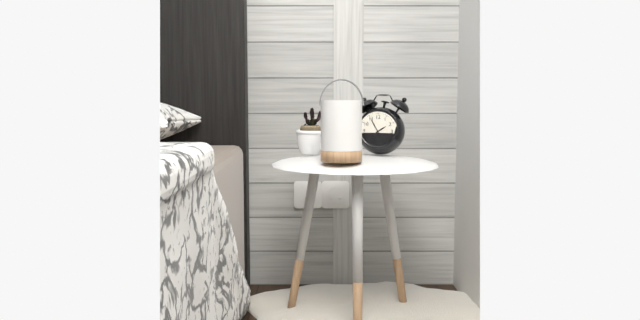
1.55
